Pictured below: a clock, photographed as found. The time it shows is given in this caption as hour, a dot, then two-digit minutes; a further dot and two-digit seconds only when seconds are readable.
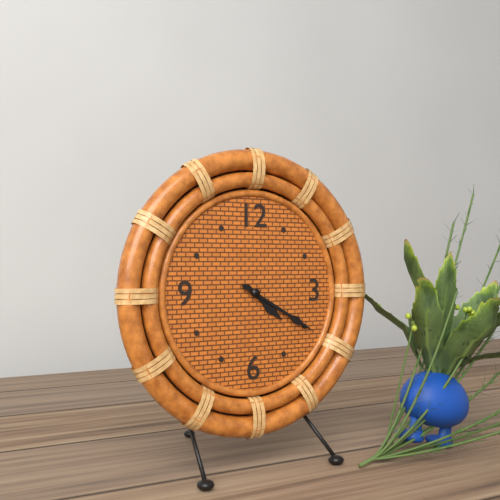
4.20
